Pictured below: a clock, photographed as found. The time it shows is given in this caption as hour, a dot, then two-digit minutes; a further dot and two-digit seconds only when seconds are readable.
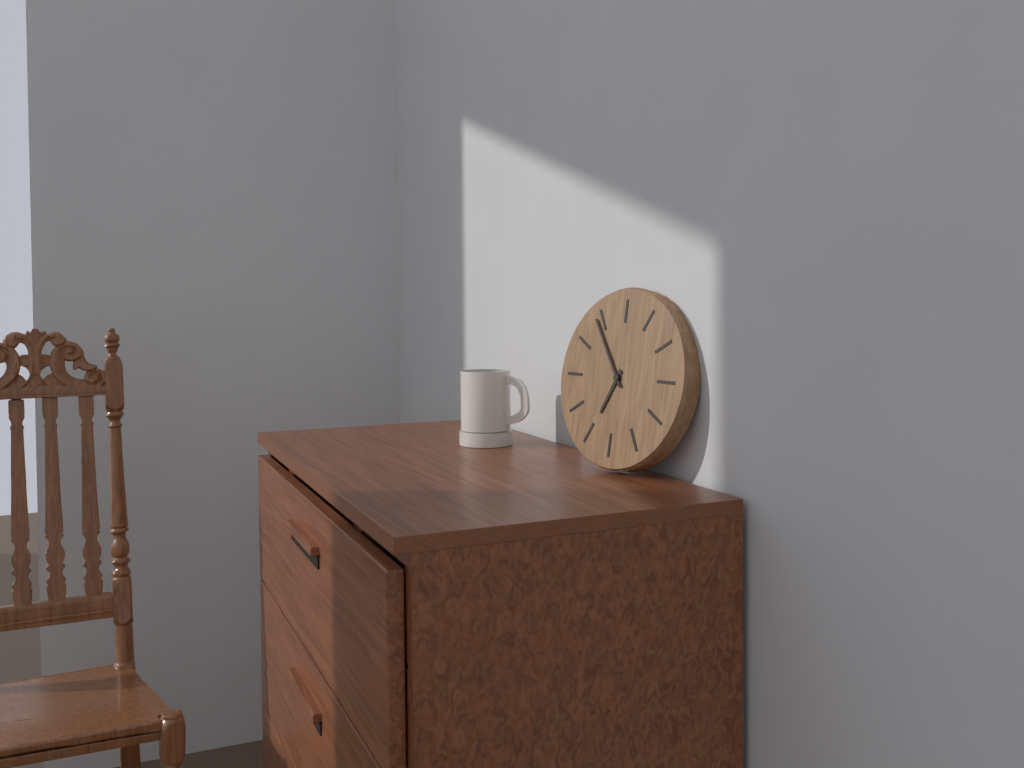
6.54
